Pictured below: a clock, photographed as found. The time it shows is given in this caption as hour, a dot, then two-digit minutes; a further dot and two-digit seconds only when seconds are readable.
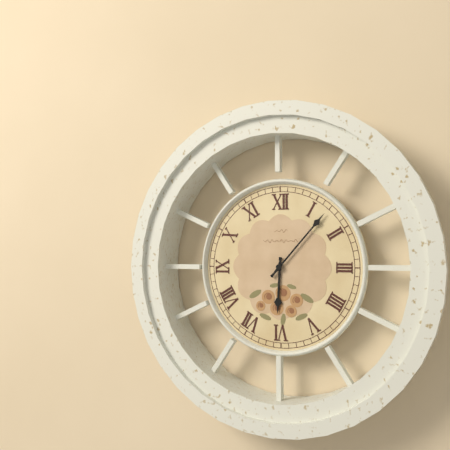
6.07
